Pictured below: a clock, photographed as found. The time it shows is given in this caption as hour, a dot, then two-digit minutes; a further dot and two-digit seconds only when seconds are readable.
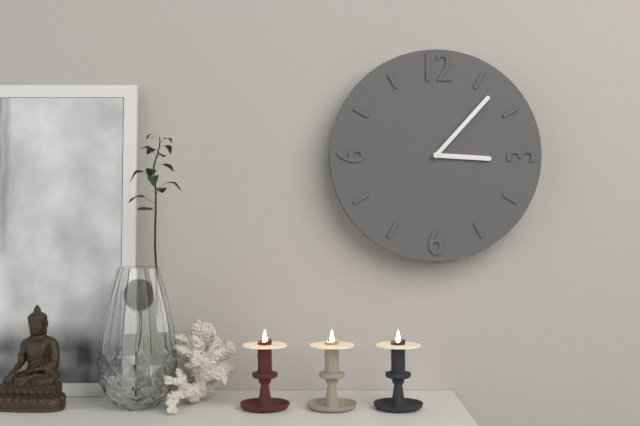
3.07
